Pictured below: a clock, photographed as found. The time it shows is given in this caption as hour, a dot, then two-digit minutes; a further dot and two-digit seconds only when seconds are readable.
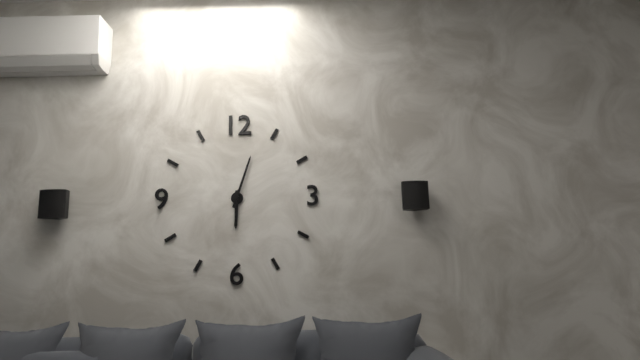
6.03
